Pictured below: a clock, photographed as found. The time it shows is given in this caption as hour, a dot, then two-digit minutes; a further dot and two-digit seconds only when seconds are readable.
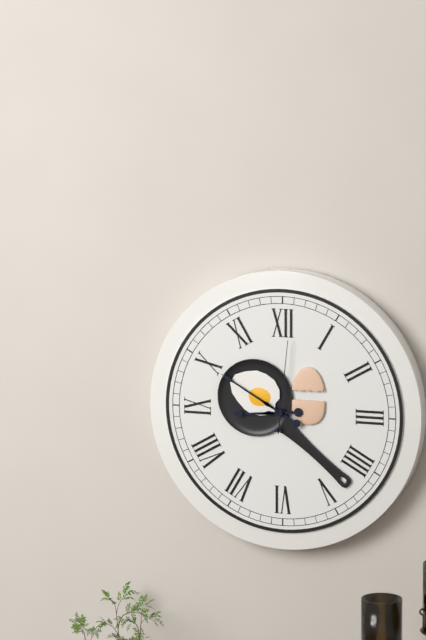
8.50.01
